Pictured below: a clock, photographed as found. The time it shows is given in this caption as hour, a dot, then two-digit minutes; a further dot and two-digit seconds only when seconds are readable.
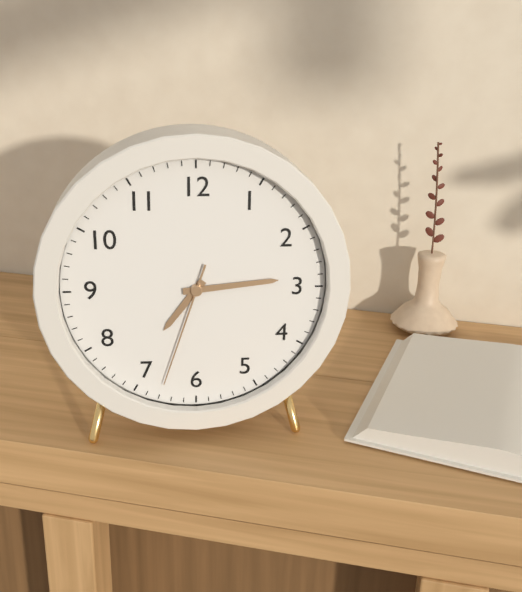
7.14.33
